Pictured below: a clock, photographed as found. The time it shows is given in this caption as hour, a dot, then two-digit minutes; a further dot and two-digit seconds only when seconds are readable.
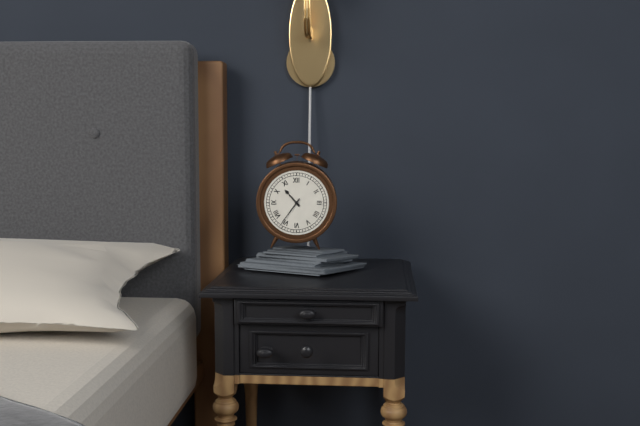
10.36
